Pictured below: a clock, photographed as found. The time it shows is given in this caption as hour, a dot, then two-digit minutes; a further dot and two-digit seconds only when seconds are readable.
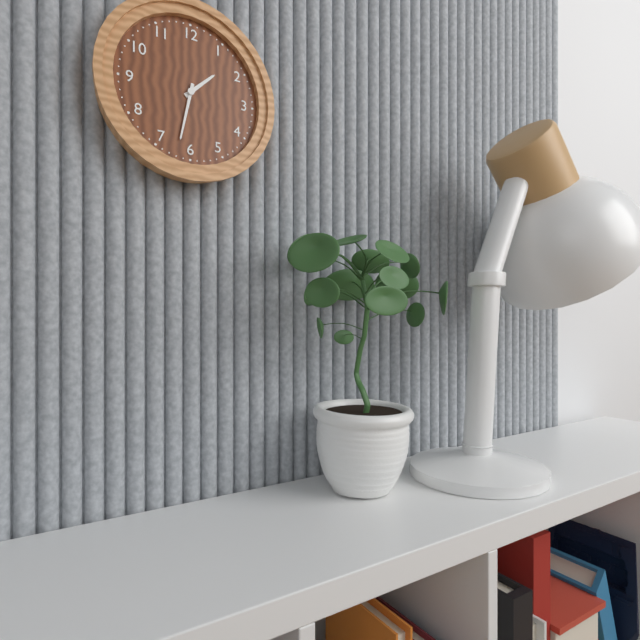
1.32
